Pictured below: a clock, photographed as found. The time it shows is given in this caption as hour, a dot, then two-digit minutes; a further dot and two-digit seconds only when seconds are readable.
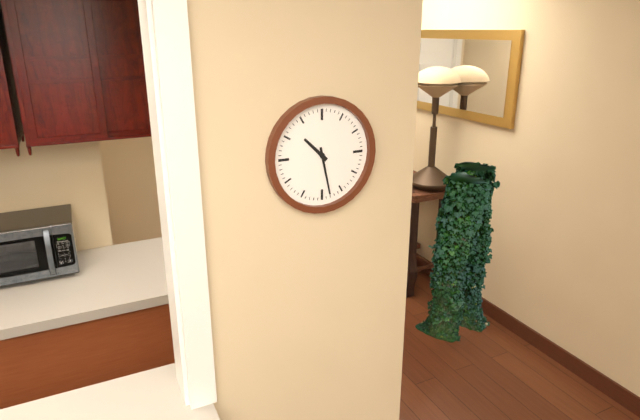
10.28
